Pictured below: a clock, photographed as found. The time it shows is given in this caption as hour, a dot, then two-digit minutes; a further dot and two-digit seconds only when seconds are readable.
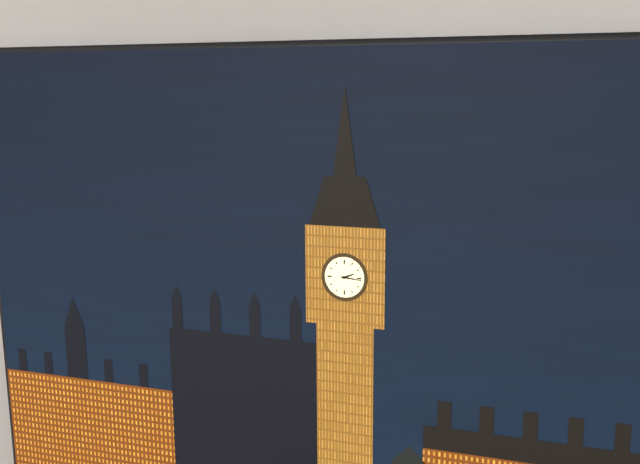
2.16
